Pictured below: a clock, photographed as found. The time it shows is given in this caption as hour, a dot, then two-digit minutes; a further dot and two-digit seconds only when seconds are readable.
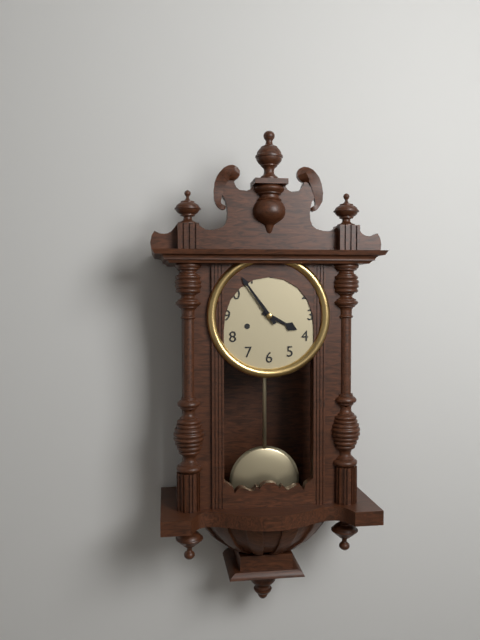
3.54
